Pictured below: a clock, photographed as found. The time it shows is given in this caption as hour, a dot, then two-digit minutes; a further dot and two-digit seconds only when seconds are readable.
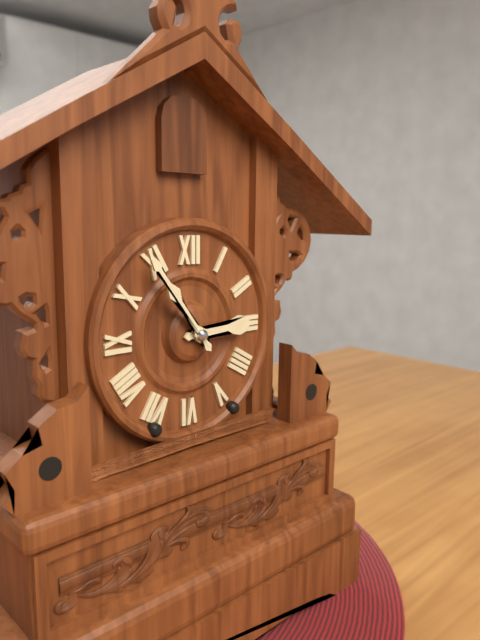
2.54
